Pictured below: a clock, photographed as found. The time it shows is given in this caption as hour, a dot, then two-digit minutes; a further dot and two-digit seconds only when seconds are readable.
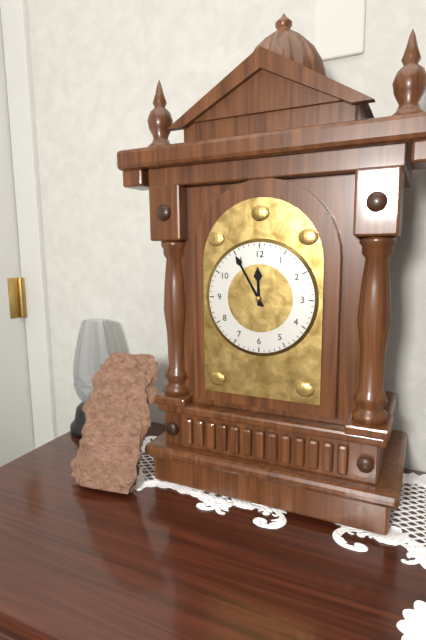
11.55
